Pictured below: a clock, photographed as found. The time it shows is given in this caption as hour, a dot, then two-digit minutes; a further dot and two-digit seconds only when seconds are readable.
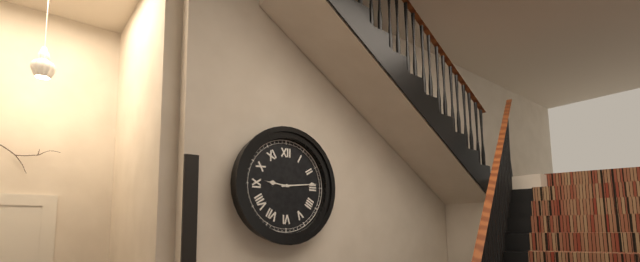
9.14
